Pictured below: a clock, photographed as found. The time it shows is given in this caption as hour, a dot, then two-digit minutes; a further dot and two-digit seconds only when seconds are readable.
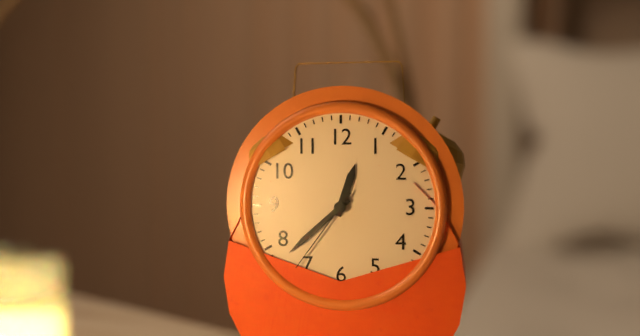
12.38.36
